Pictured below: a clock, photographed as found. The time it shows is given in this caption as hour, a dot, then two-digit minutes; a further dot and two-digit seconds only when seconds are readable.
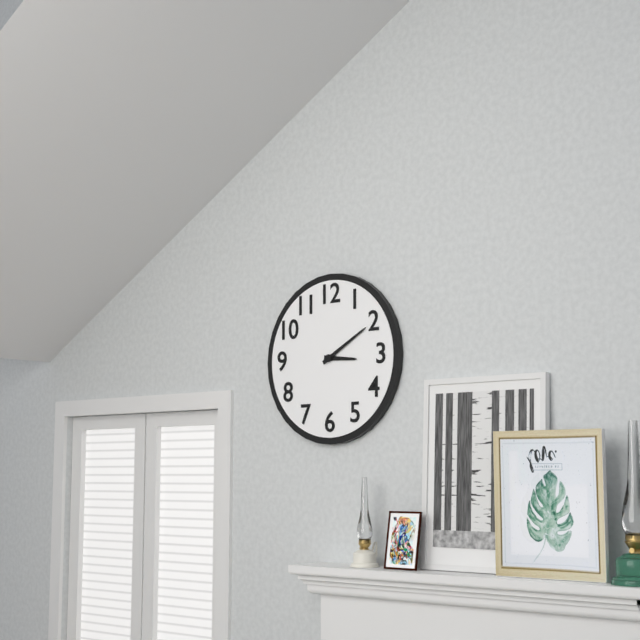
3.10
